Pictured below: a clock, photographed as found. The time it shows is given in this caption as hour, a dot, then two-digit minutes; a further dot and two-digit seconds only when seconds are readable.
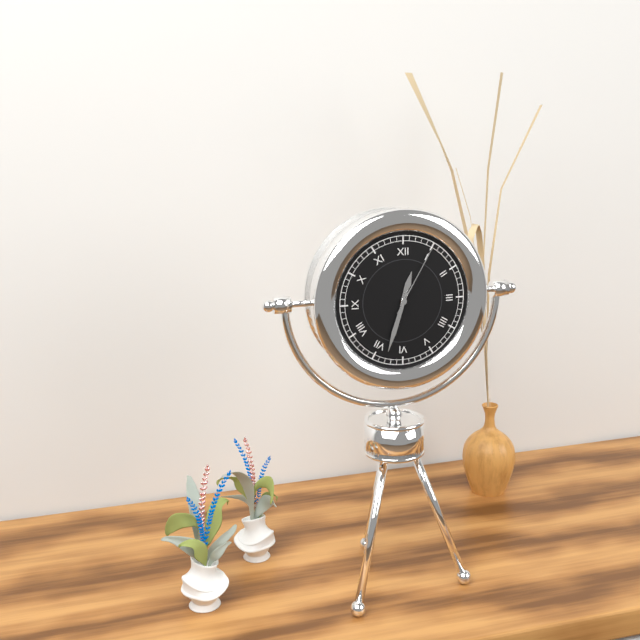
12.33.05
